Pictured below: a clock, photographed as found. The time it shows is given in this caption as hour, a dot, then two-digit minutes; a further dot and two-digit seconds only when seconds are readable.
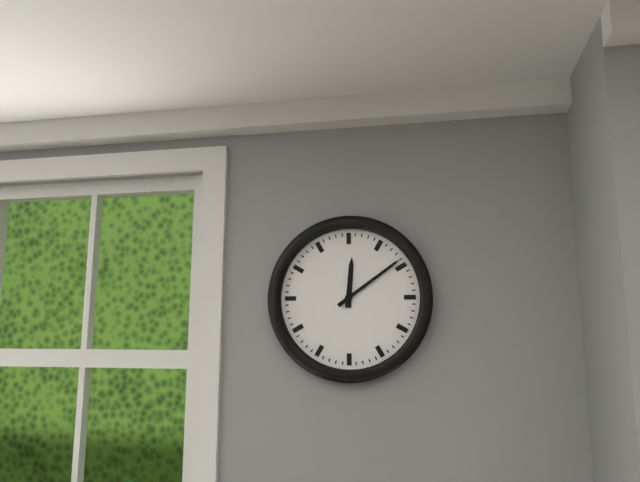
12.09
